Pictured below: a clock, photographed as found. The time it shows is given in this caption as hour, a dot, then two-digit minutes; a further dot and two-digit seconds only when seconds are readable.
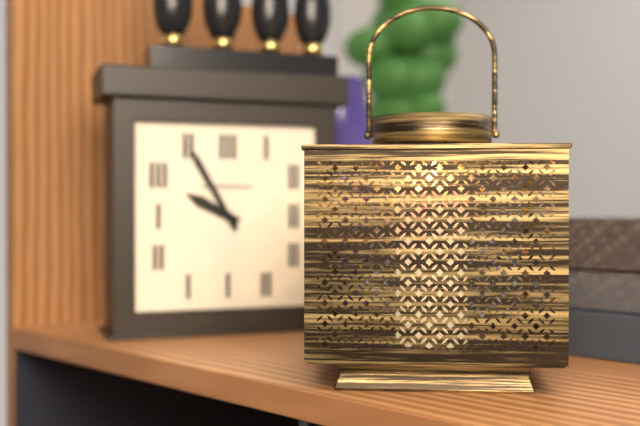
9.55
